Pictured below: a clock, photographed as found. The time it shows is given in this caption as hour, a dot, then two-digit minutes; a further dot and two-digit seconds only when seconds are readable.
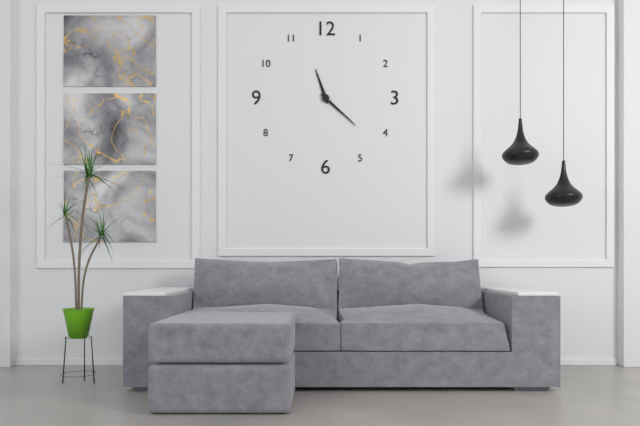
11.22
